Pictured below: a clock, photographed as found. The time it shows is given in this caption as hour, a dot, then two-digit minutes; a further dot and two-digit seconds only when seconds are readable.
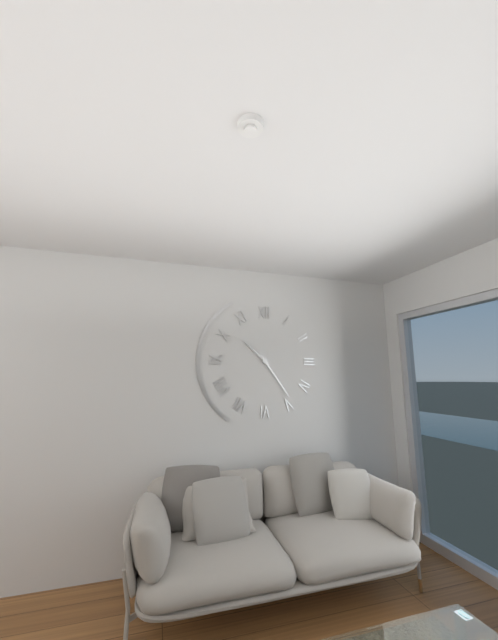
10.24
